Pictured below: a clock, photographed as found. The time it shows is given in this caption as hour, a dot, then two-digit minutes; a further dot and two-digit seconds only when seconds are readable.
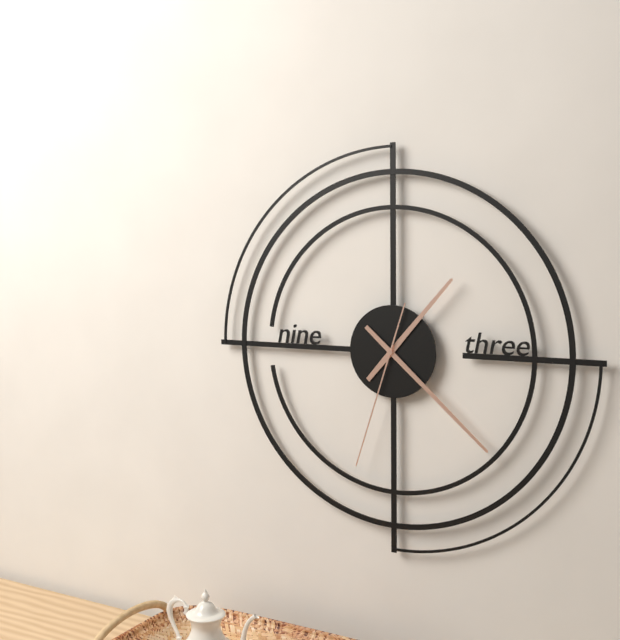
1.22.33
